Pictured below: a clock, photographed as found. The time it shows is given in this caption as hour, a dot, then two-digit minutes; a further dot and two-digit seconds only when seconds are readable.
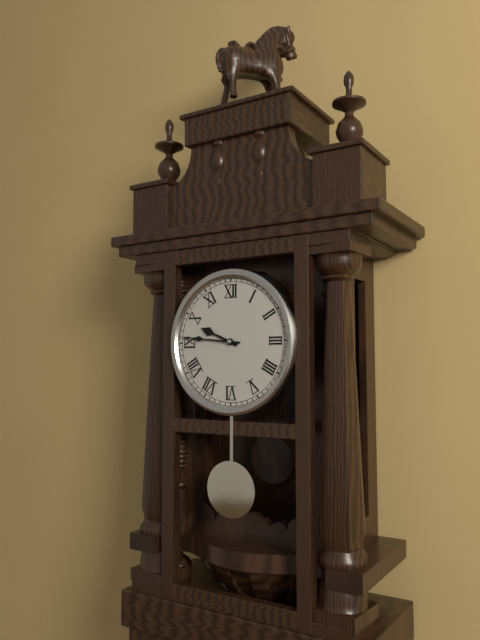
9.46
